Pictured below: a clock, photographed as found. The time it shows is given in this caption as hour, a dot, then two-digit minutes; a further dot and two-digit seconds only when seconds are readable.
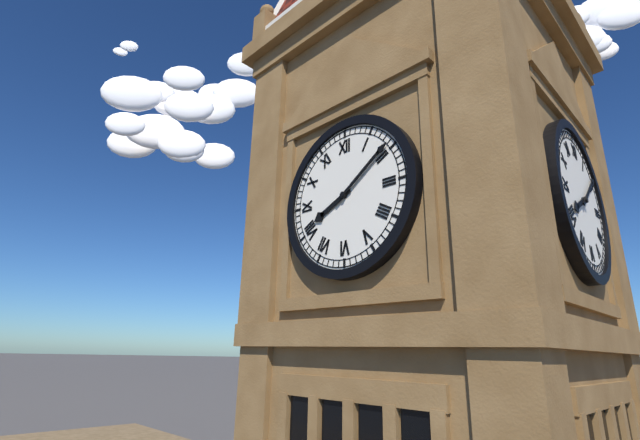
8.09
